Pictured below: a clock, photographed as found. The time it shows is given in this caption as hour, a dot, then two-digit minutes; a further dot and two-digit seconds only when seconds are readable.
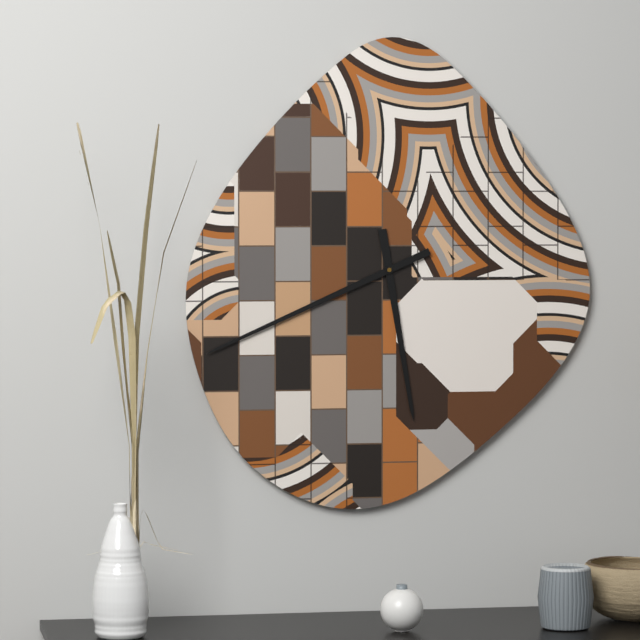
5.41
